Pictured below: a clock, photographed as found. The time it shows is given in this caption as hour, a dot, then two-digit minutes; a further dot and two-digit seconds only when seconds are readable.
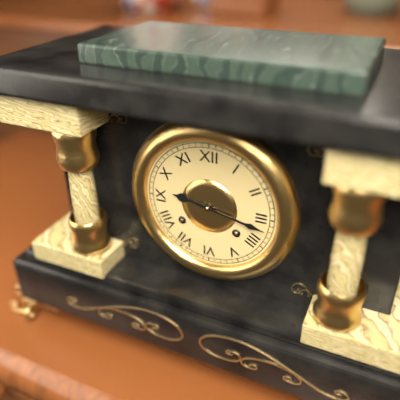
9.17
